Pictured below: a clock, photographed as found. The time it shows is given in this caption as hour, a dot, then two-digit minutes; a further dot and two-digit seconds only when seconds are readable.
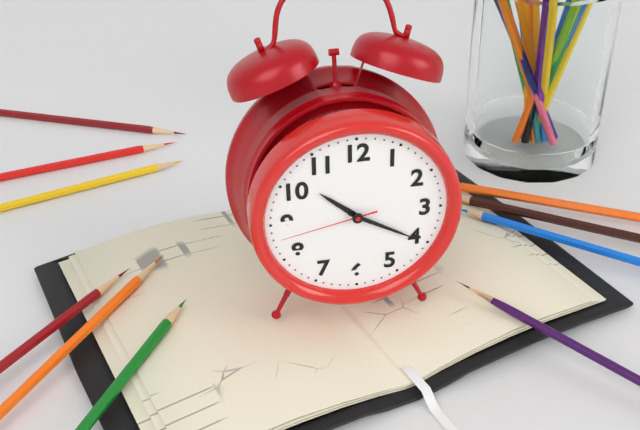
10.20.43
